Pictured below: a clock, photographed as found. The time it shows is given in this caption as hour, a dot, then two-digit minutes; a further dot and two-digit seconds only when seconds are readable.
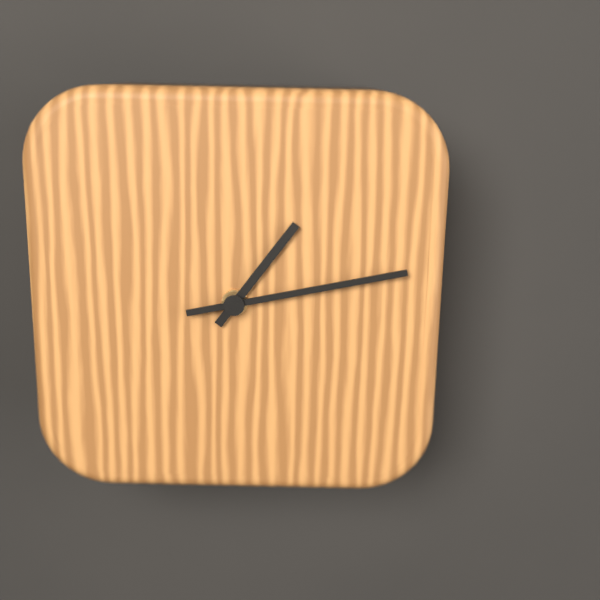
1.13
